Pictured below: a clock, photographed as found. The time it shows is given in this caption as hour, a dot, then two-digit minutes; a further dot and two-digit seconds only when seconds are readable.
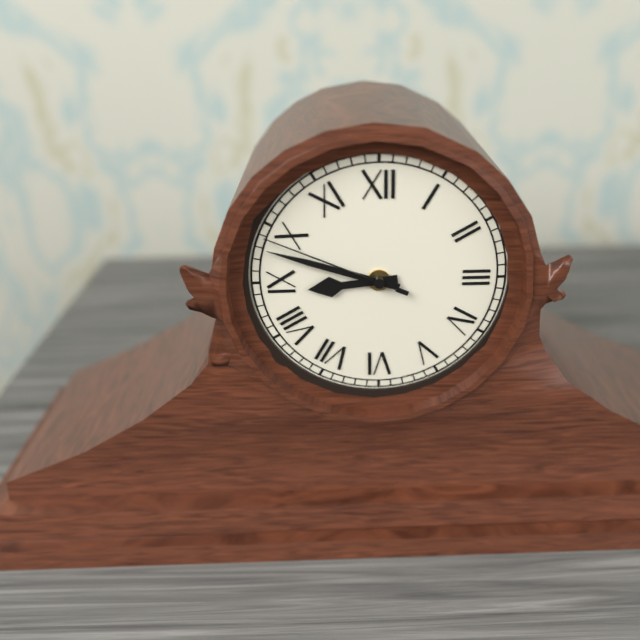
8.48.49
